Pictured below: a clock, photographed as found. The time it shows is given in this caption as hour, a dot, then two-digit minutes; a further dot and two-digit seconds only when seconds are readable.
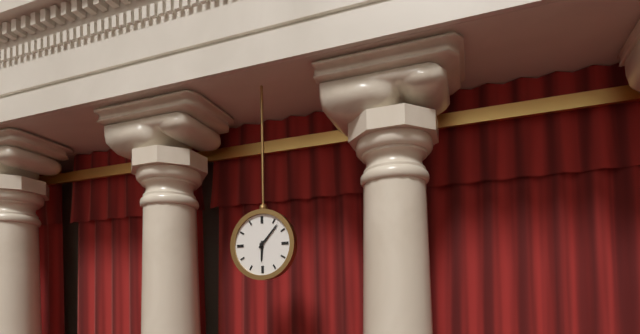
6.07
